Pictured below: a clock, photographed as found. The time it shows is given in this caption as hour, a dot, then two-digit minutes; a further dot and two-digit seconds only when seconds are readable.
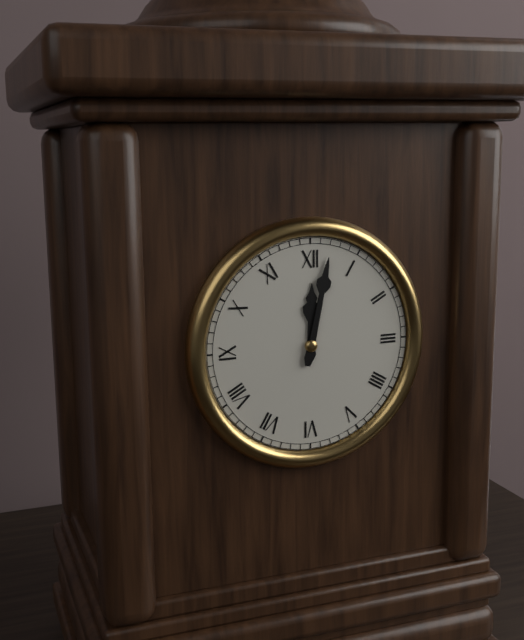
12.02
